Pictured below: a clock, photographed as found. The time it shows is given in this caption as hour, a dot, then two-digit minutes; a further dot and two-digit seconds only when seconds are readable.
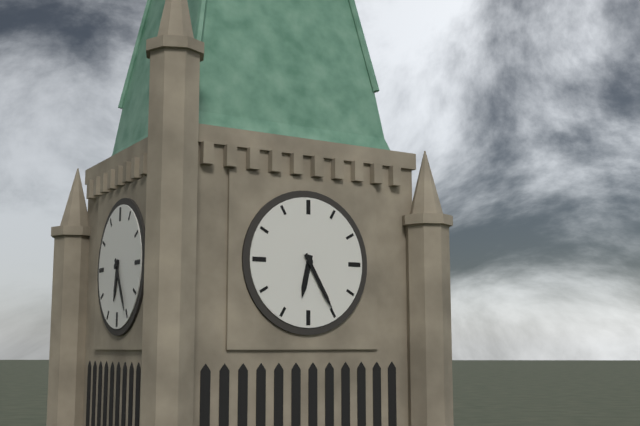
6.25
